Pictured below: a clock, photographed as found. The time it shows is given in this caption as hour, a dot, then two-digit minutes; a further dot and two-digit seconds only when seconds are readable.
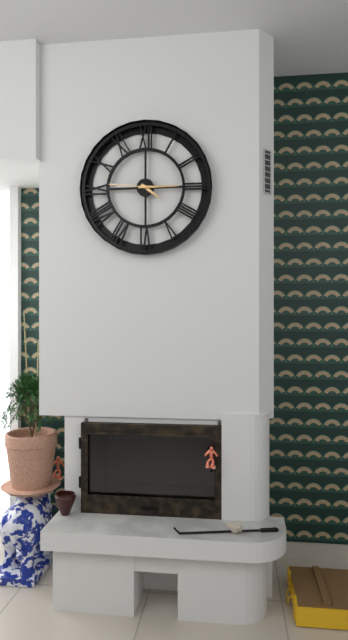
4.15
